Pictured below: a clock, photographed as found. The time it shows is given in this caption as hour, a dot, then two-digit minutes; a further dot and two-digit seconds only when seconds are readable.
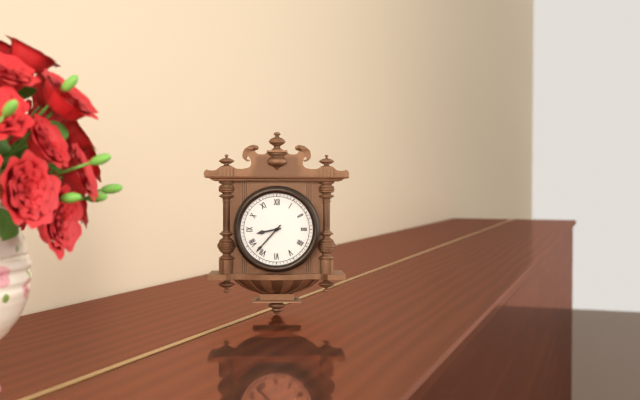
8.37
